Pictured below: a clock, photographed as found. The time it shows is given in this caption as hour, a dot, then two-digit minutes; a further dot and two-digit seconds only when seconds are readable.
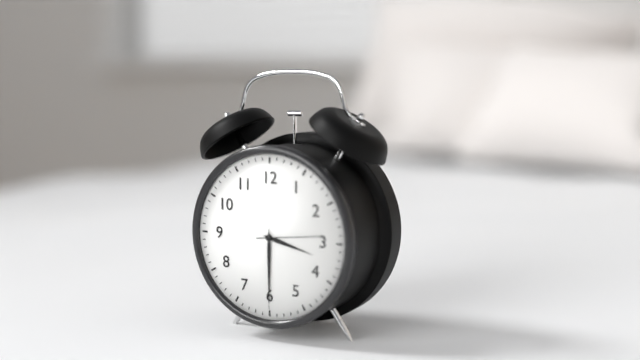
3.30
